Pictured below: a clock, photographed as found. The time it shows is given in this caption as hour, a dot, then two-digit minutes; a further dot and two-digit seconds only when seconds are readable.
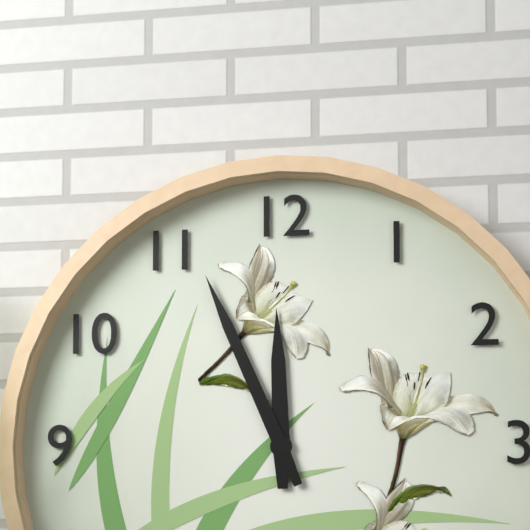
11.56
